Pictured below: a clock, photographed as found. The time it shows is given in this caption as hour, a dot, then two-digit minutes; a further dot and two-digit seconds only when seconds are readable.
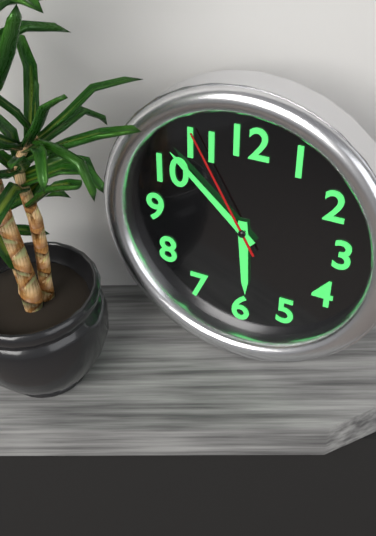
5.52.55
